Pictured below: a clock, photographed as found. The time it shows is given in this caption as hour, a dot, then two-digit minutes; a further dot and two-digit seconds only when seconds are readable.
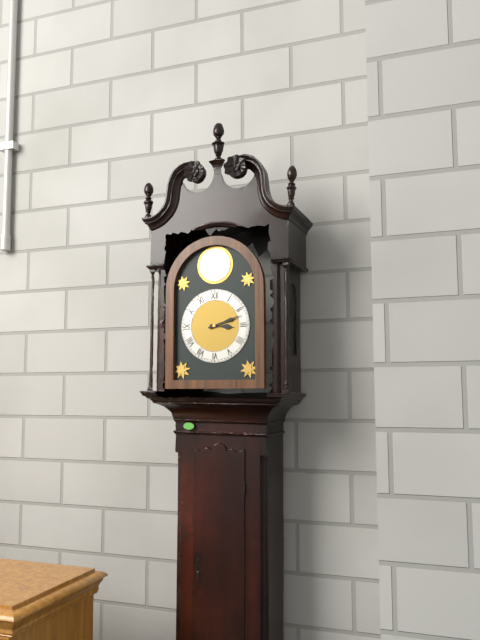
3.12
